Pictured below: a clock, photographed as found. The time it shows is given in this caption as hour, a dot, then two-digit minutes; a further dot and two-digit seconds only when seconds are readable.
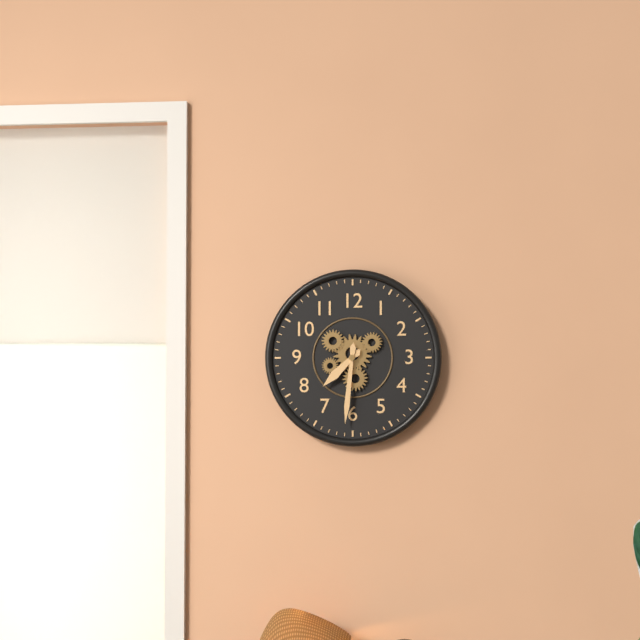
7.31
